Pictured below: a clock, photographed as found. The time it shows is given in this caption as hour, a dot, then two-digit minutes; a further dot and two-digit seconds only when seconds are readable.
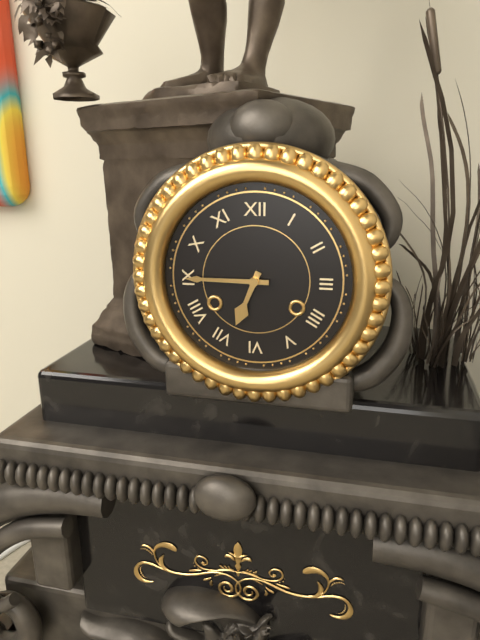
6.45
